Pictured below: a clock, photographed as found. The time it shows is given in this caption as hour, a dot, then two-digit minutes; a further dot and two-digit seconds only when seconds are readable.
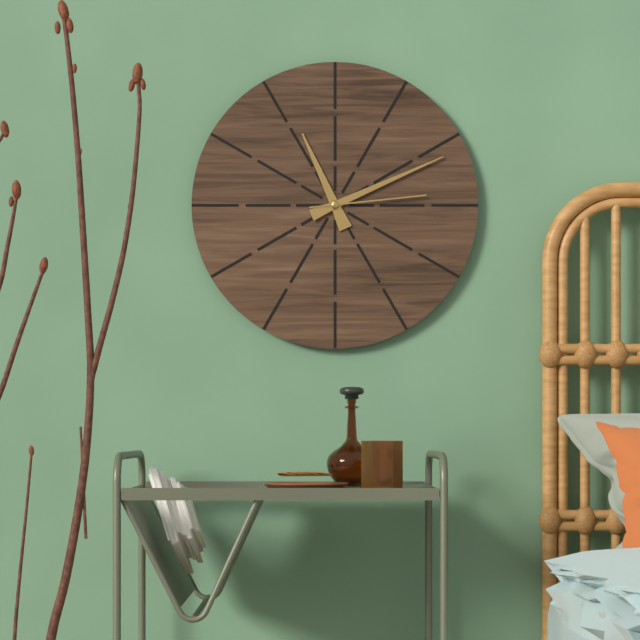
11.11.14
